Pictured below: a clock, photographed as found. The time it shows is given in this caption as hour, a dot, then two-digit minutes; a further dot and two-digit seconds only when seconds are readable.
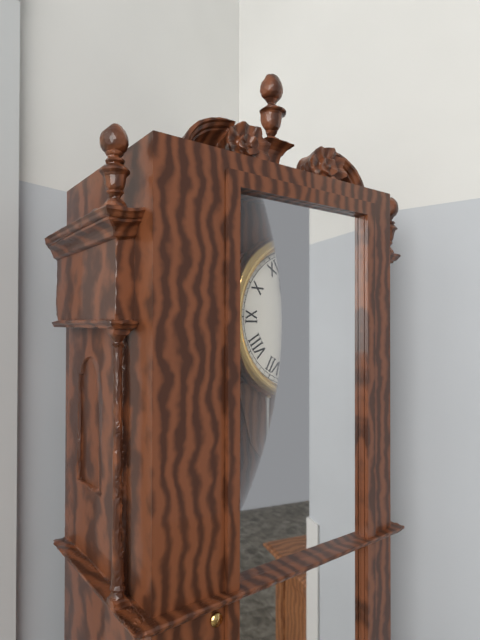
11.00
